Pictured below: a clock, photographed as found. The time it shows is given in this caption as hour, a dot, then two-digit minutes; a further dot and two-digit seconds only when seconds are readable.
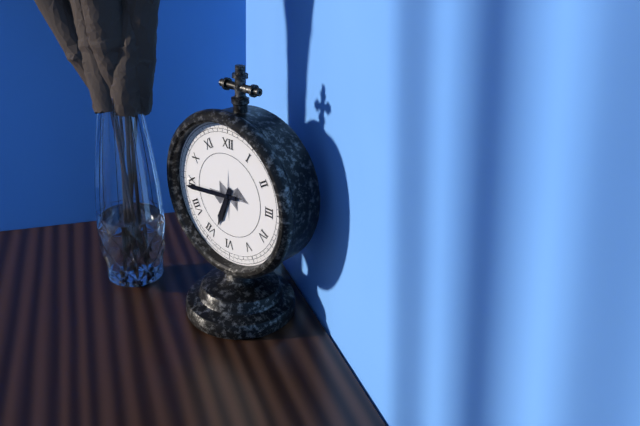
6.44
